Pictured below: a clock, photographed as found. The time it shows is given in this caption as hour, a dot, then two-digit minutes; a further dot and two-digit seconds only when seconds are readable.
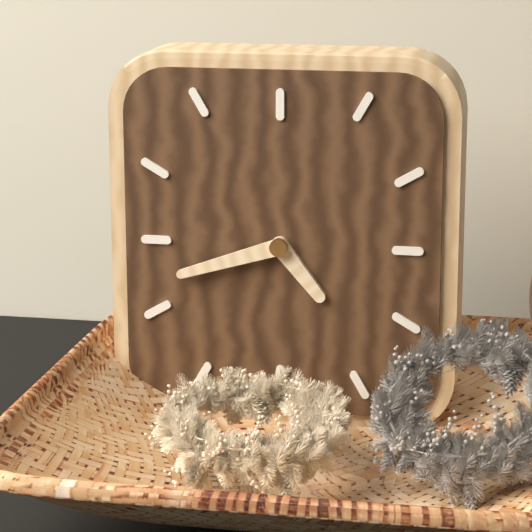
4.42
